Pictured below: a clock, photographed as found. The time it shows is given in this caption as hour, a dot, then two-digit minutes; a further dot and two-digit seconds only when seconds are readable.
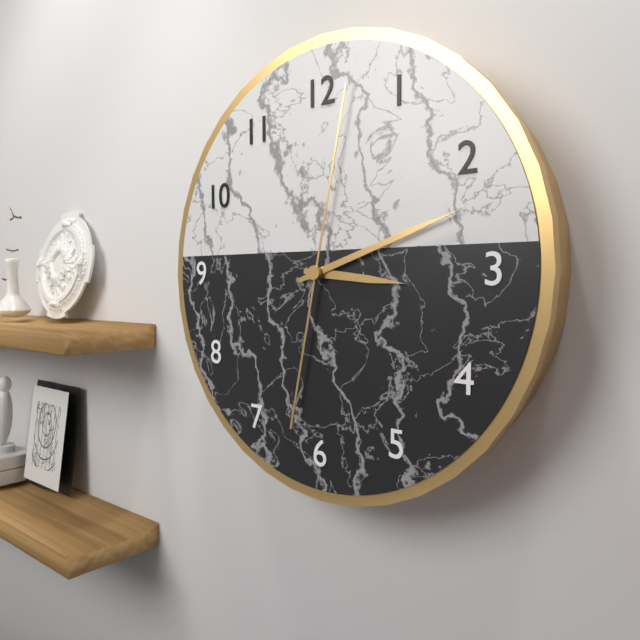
3.12.02
